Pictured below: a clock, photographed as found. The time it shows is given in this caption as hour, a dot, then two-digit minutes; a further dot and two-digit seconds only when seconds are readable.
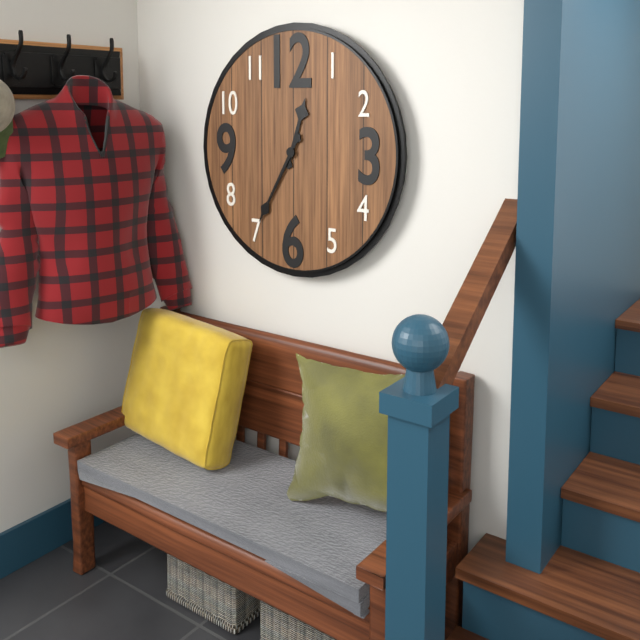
12.35
